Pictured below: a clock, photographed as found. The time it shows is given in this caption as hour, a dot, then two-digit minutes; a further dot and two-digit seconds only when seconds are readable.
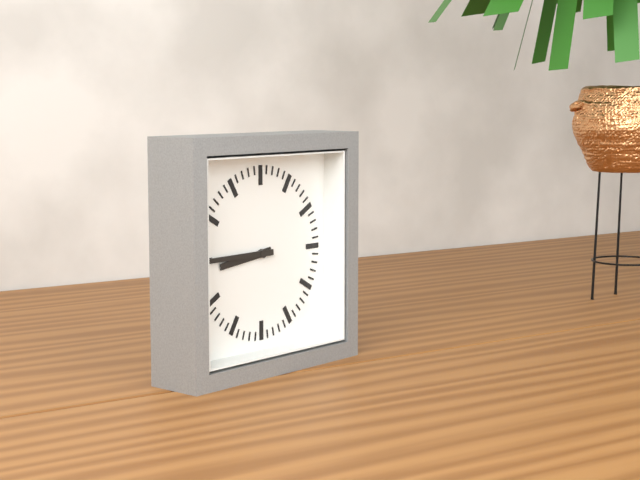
8.45
